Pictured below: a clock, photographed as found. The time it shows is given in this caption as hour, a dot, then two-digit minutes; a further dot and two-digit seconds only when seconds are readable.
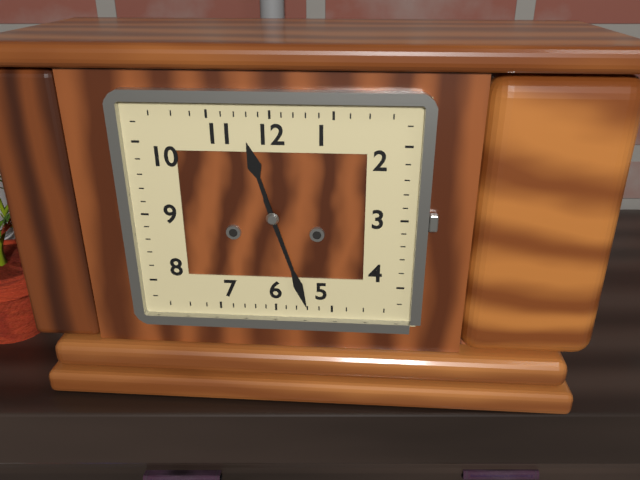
11.27
